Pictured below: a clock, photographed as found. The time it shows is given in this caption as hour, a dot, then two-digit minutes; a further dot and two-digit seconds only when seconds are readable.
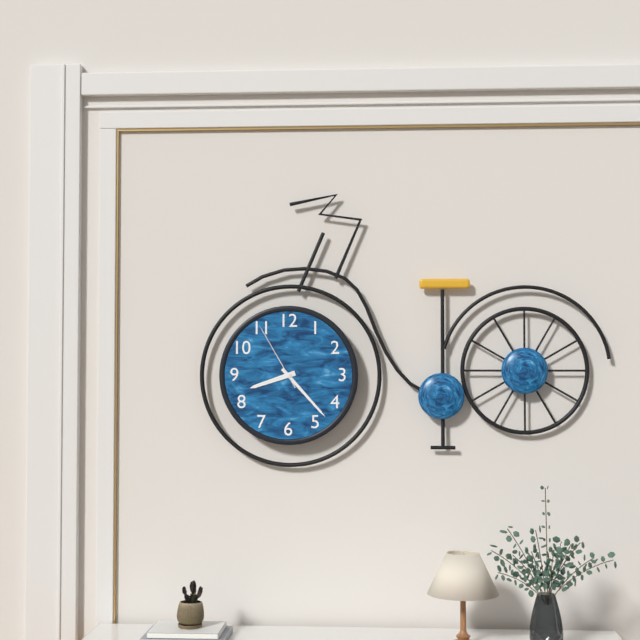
8.23.55
